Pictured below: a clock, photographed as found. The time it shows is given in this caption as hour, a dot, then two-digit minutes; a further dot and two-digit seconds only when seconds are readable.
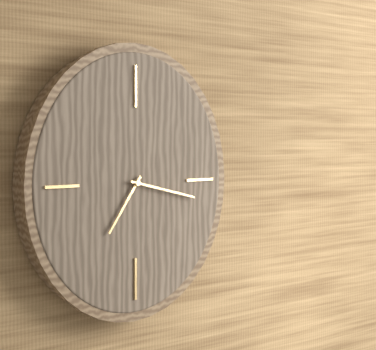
7.17
